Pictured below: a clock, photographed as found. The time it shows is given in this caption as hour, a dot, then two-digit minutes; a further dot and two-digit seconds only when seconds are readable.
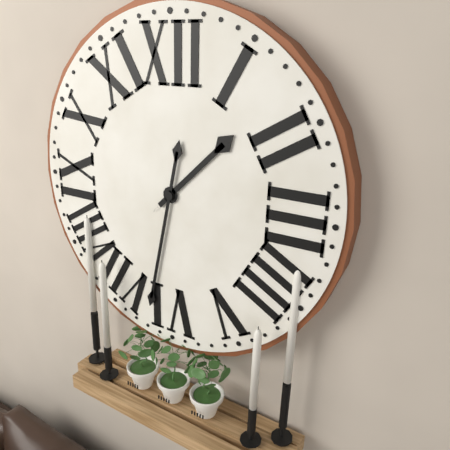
1.32
